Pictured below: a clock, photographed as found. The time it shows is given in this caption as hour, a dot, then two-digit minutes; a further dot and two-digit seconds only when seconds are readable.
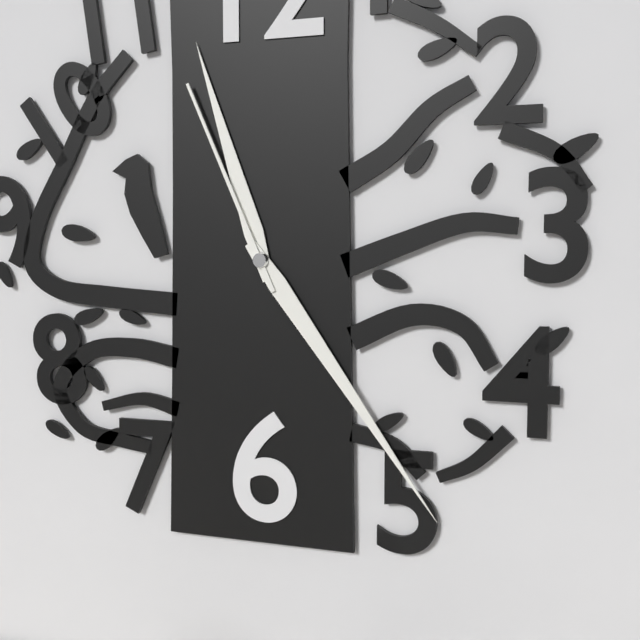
11.24.56
